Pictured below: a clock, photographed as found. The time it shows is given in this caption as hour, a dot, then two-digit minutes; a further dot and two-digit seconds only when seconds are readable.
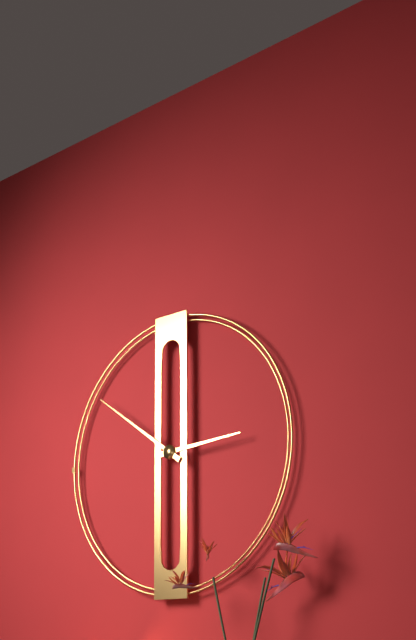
2.51
